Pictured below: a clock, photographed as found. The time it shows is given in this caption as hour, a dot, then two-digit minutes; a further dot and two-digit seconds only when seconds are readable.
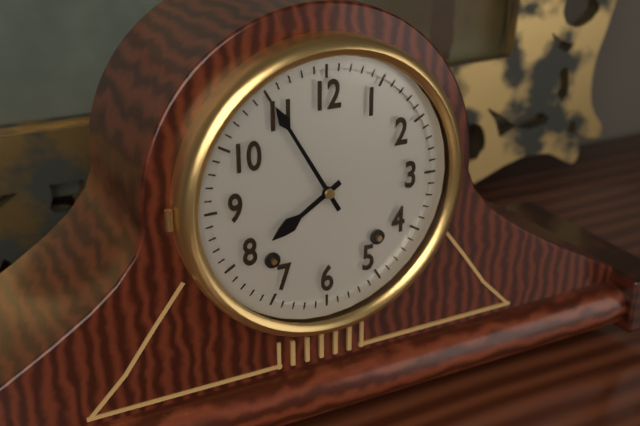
7.55
